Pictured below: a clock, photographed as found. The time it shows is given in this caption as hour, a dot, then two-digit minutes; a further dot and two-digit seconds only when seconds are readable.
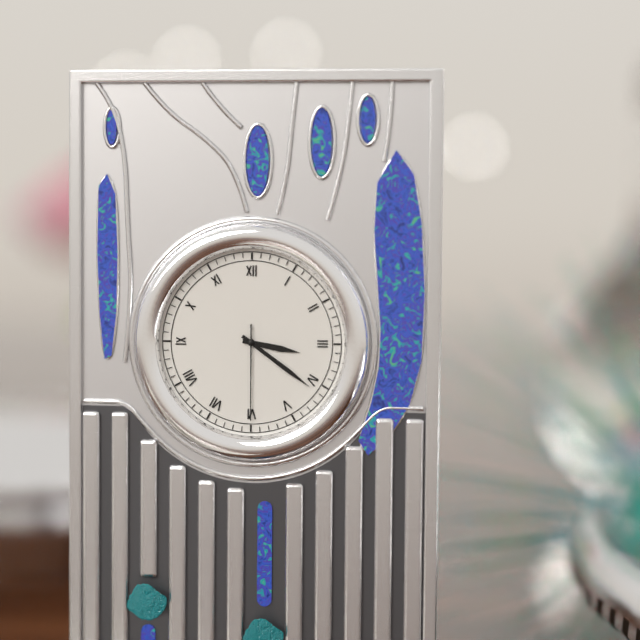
3.21.30
